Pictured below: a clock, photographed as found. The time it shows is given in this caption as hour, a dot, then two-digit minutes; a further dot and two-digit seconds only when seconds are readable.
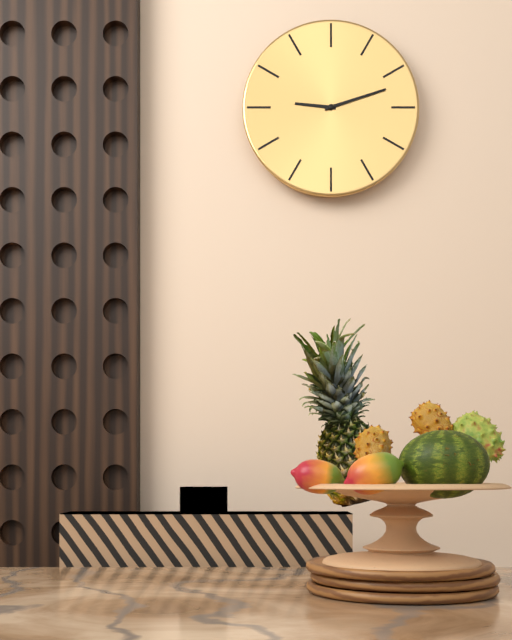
9.12
